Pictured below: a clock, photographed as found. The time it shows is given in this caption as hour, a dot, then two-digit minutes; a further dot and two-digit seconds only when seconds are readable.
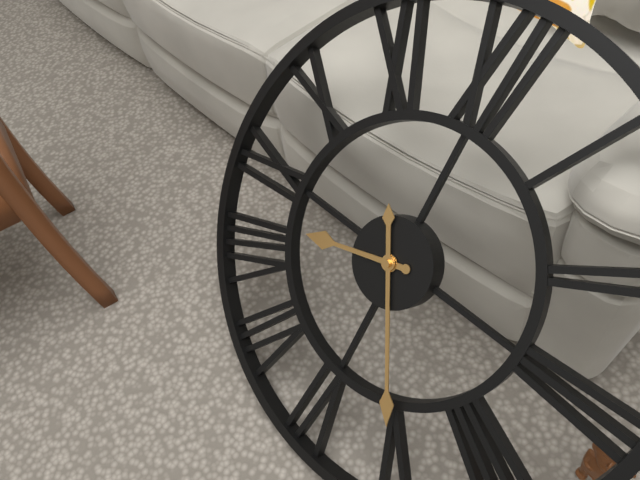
8.25
